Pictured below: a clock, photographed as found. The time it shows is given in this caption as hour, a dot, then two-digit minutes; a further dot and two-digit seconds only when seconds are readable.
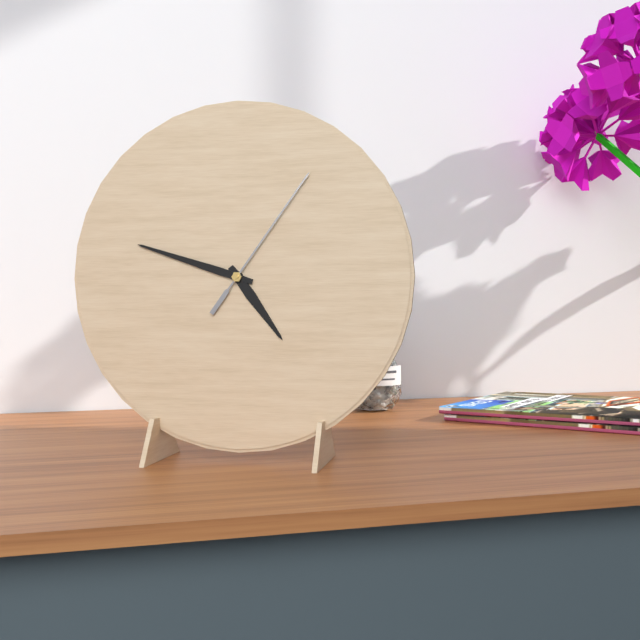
4.48.06
